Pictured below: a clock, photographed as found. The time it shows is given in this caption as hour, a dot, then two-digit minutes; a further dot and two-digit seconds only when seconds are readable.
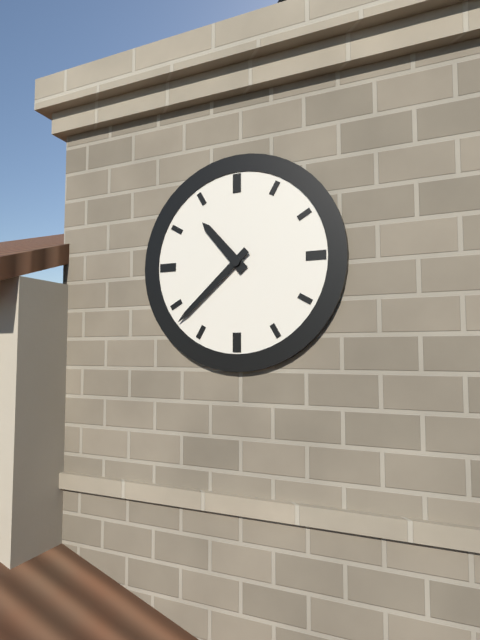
10.38
